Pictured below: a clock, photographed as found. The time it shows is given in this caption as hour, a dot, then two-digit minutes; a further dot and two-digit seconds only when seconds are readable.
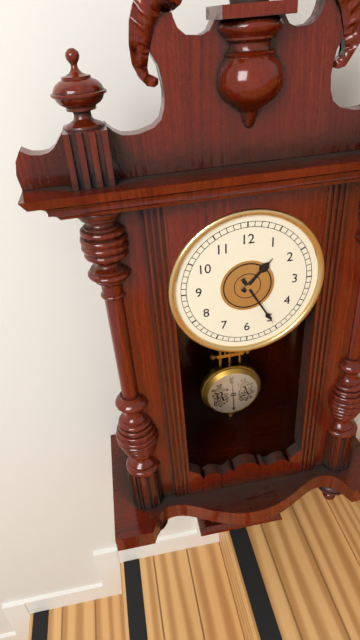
1.25
